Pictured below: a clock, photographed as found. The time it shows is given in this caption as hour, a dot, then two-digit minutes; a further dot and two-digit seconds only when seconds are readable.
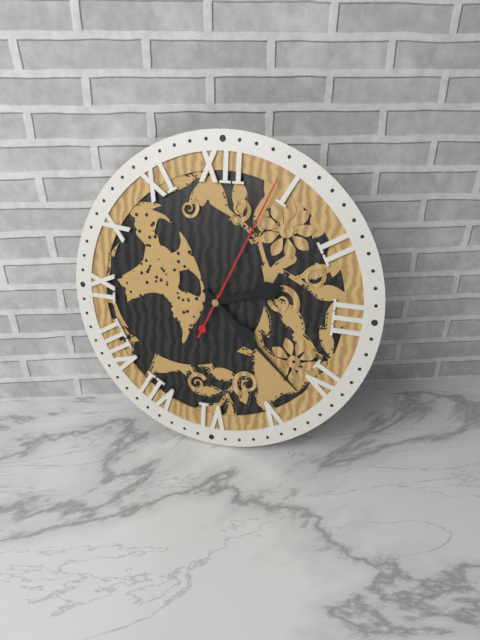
2.22.04
